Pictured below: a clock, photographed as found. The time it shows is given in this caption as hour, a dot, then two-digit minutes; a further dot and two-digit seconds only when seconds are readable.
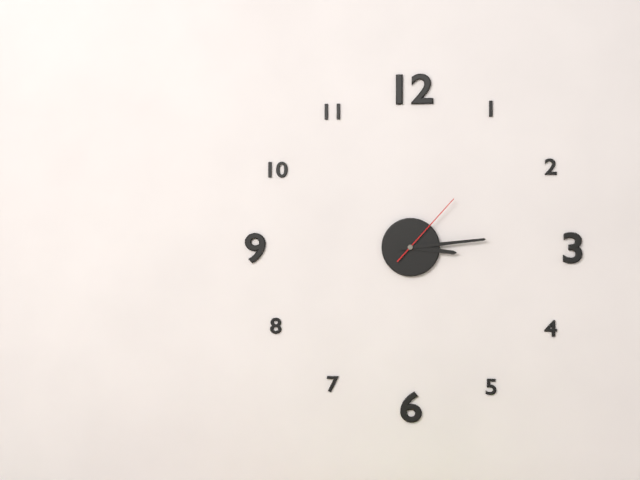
3.14.07
